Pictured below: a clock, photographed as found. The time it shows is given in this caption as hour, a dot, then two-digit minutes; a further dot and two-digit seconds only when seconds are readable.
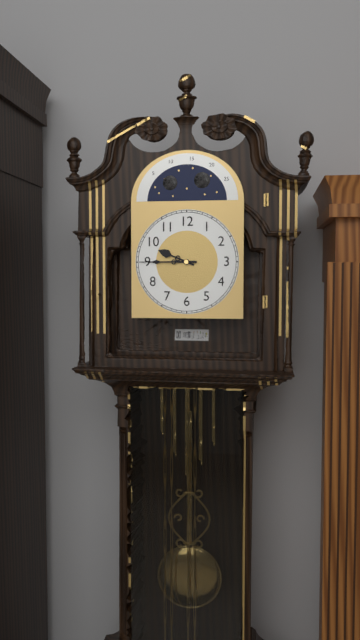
9.45
